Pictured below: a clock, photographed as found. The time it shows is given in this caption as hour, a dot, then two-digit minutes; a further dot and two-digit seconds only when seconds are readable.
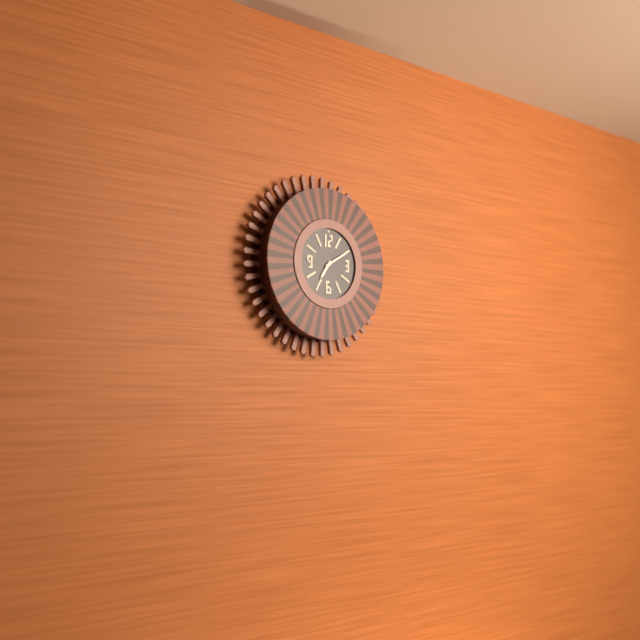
7.10
